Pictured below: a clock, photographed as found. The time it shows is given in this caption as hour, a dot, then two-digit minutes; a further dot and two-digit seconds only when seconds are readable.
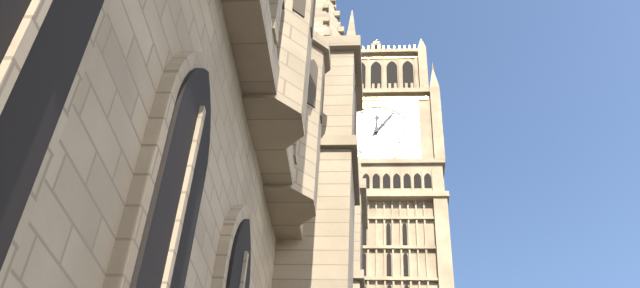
12.06
